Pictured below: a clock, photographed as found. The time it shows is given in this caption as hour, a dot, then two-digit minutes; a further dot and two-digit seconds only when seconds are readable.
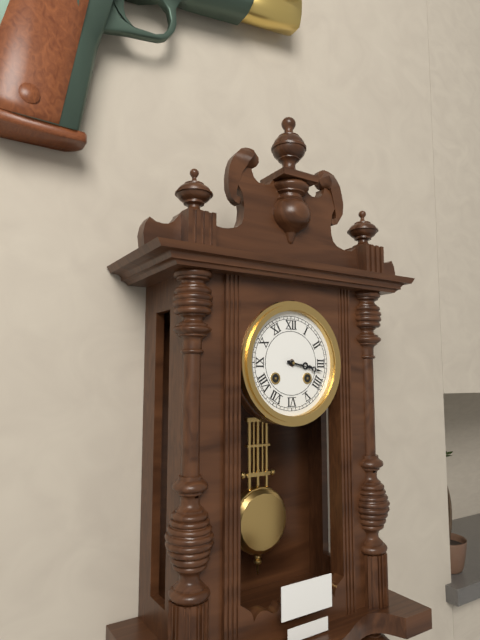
3.17
